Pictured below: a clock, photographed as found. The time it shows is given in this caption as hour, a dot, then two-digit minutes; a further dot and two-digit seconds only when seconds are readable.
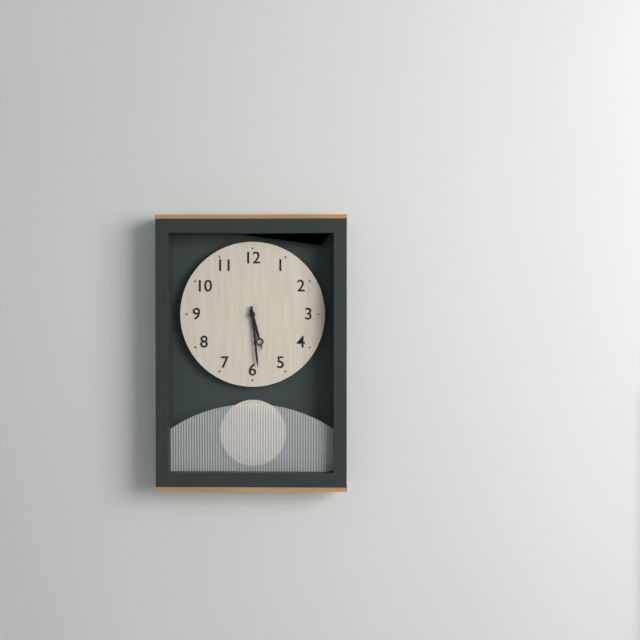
5.29
